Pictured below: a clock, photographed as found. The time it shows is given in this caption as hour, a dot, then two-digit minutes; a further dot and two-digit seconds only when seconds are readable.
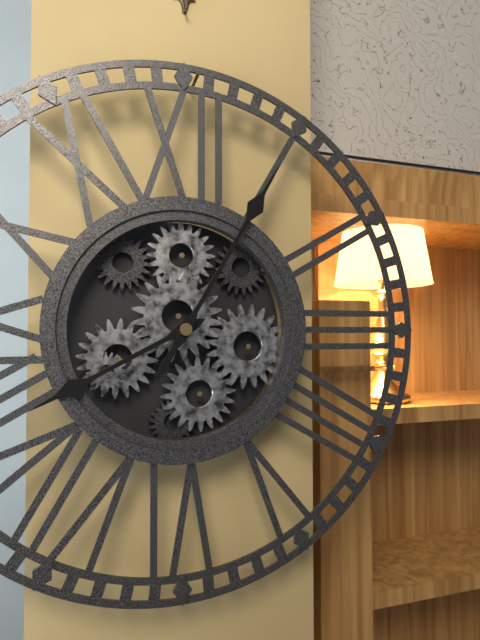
8.05
